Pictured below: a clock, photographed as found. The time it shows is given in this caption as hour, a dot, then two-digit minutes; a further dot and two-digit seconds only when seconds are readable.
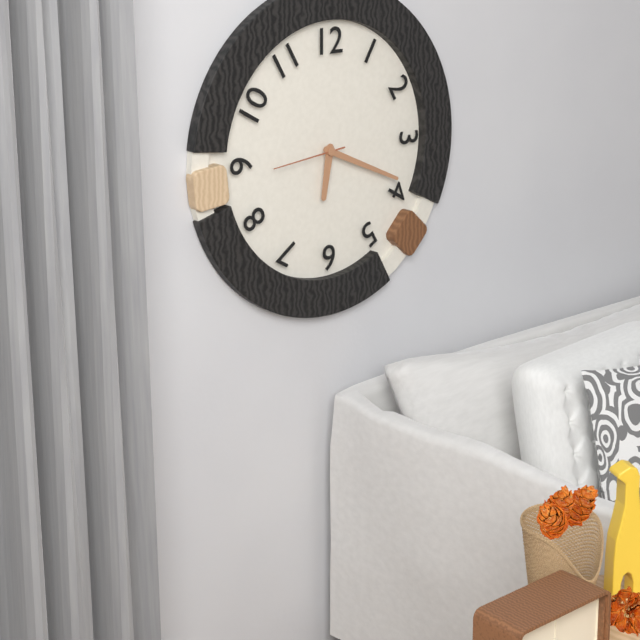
6.19.44
